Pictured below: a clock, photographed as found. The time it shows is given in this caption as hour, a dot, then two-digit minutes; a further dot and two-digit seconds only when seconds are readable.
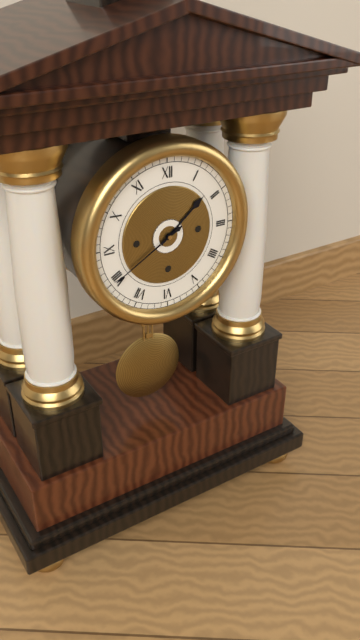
1.40
